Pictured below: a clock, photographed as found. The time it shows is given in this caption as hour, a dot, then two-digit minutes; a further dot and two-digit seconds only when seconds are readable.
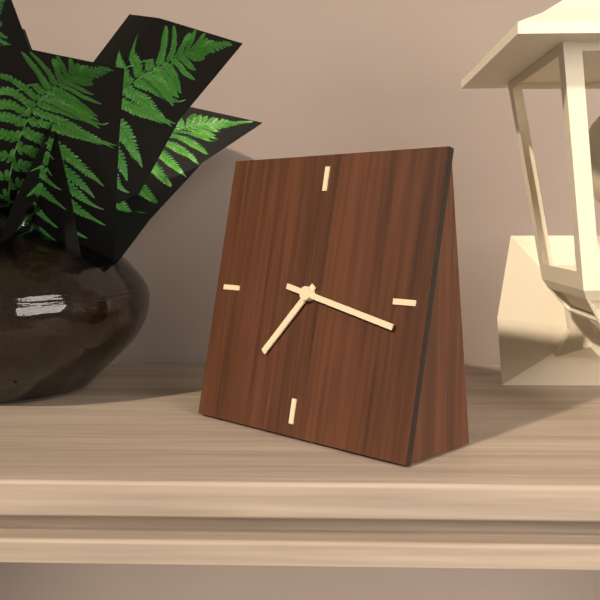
7.17
